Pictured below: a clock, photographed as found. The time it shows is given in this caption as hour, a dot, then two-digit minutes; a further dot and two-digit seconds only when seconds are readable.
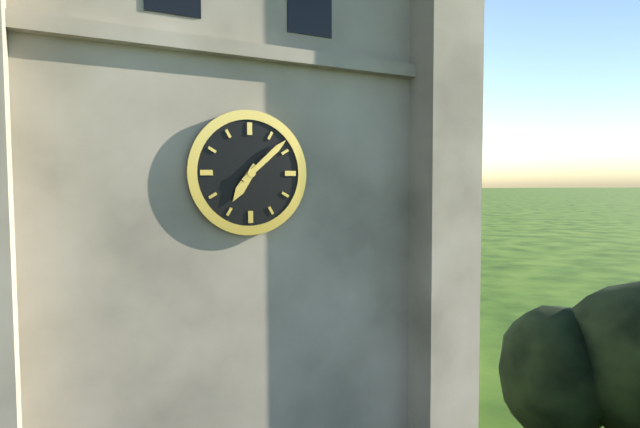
7.08
